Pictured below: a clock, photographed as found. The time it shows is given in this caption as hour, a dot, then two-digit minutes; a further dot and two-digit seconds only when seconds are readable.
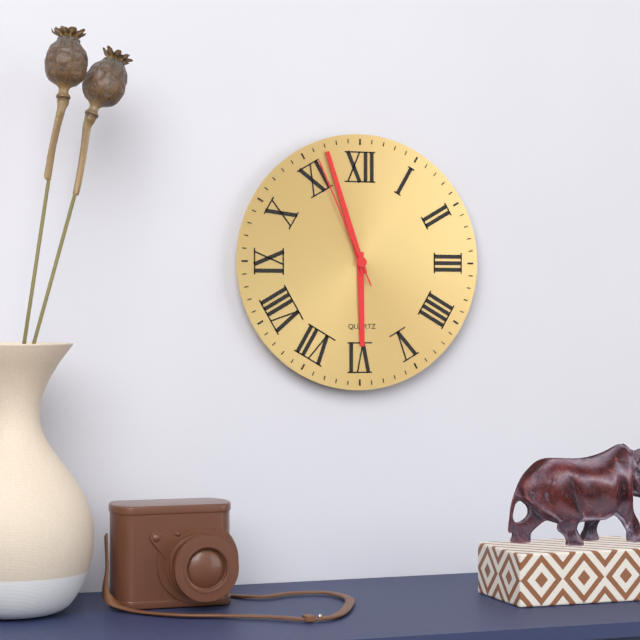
5.57.56
